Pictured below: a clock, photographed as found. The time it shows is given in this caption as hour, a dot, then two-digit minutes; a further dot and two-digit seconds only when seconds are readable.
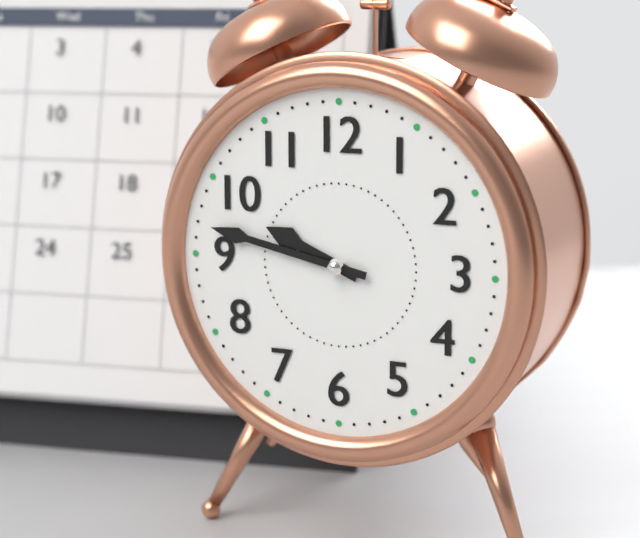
9.47
